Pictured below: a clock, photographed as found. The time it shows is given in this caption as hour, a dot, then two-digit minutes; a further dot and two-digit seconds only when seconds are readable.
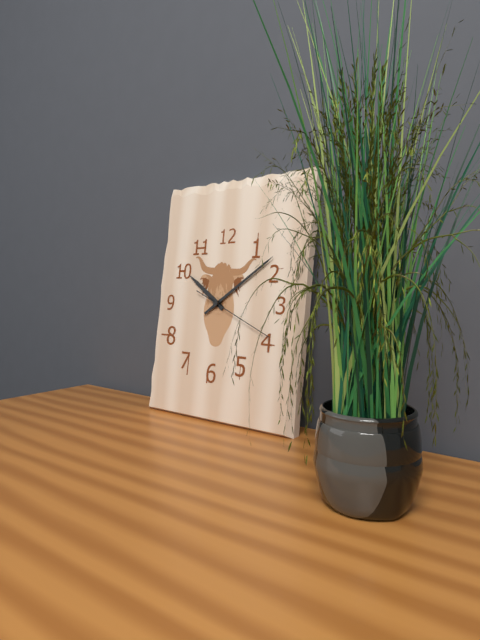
10.09.19
